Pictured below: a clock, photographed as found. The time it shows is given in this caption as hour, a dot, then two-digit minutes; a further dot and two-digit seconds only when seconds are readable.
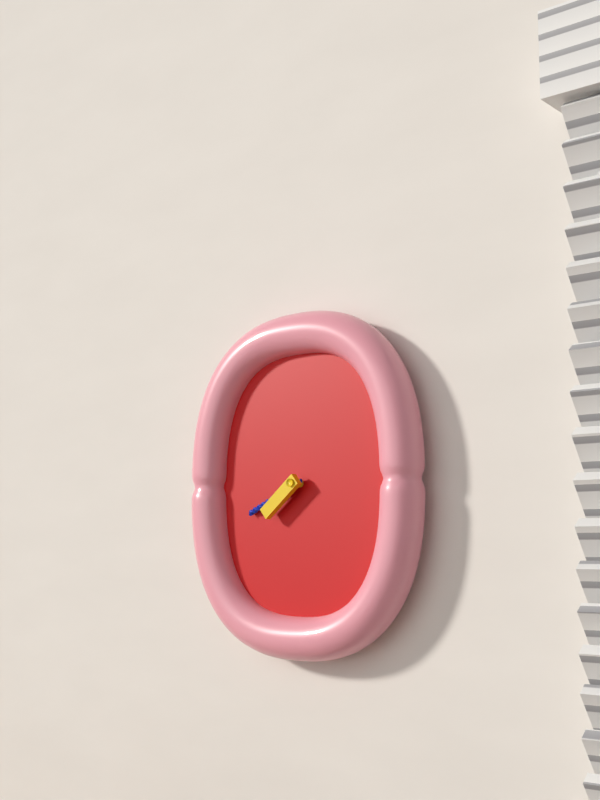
7.41
